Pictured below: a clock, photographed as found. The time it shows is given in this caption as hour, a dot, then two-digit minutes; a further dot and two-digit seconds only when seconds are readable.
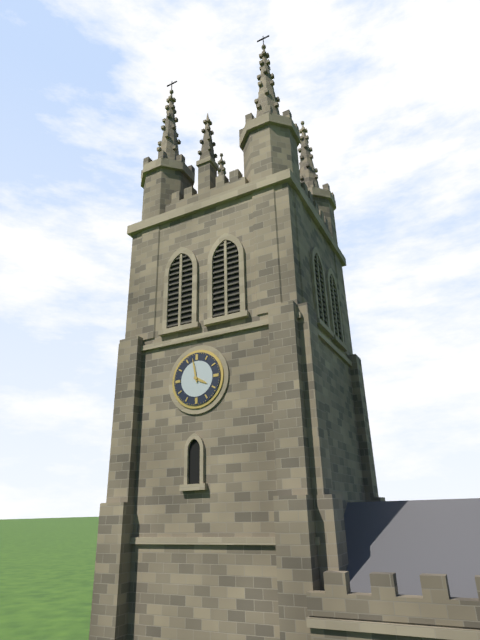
3.58
